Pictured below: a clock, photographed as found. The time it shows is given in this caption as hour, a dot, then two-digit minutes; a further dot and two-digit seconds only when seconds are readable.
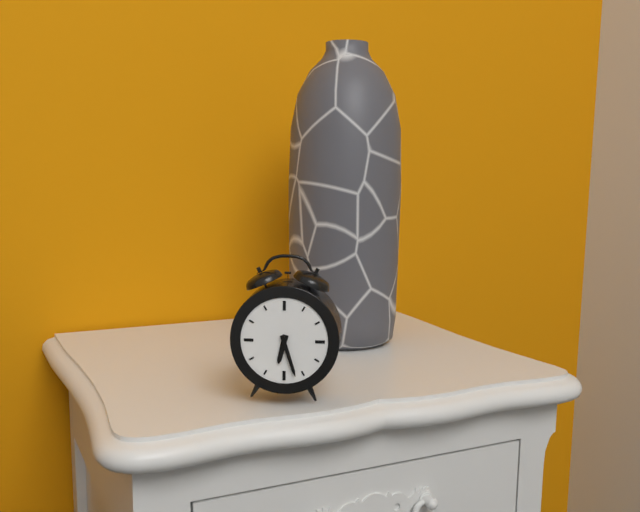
6.27
